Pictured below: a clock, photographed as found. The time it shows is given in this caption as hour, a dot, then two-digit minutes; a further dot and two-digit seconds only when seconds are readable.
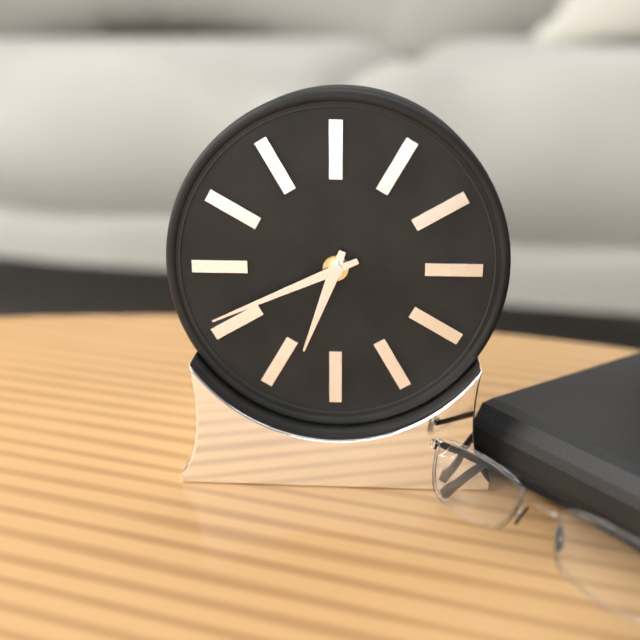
6.41
